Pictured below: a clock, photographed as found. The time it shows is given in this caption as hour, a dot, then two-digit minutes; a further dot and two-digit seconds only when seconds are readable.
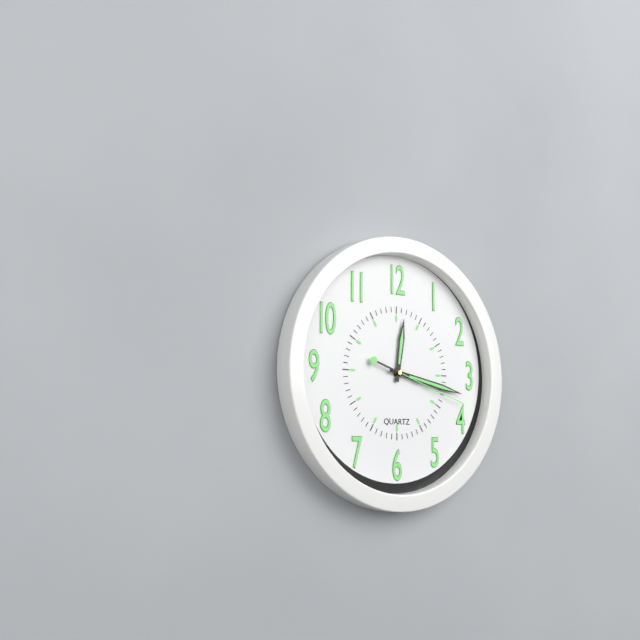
12.17.18
